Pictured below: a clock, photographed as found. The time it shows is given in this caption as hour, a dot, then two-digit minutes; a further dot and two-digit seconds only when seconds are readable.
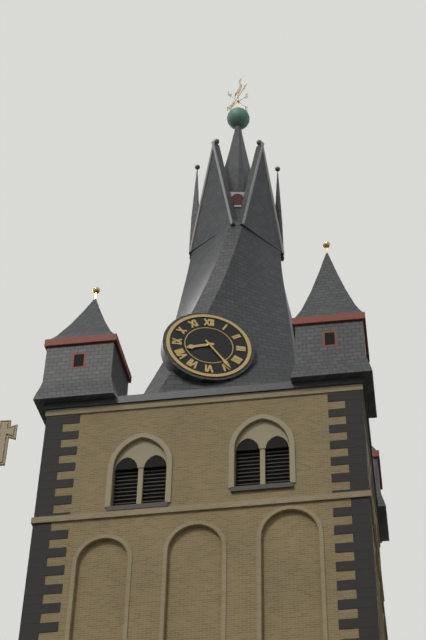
8.24
